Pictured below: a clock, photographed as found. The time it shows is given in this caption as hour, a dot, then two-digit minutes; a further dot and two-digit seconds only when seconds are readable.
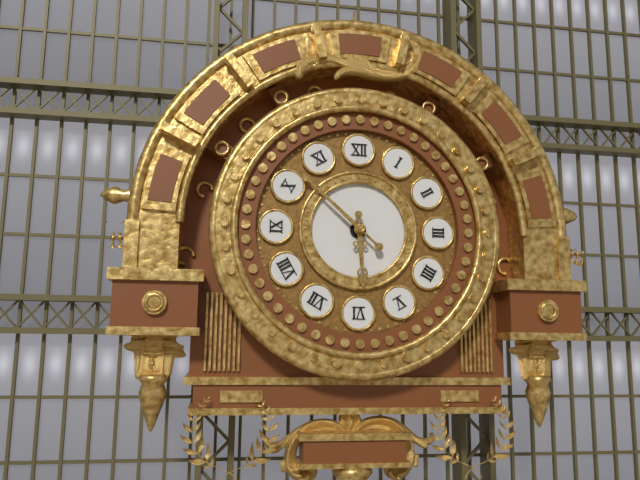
5.52
